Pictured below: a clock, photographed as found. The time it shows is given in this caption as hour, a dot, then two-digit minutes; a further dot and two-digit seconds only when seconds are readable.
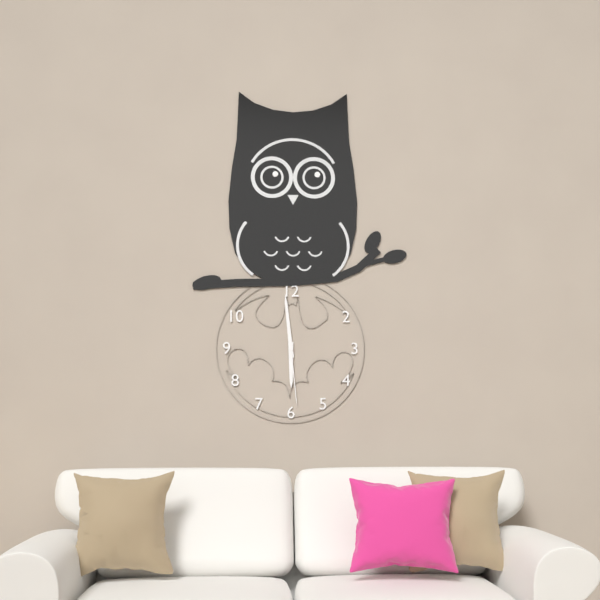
5.59.29
